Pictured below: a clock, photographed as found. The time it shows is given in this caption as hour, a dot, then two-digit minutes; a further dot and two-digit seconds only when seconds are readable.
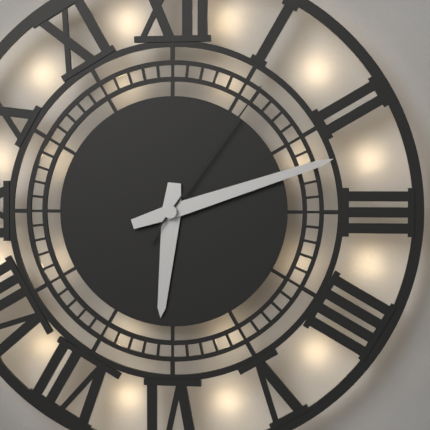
6.12.06
